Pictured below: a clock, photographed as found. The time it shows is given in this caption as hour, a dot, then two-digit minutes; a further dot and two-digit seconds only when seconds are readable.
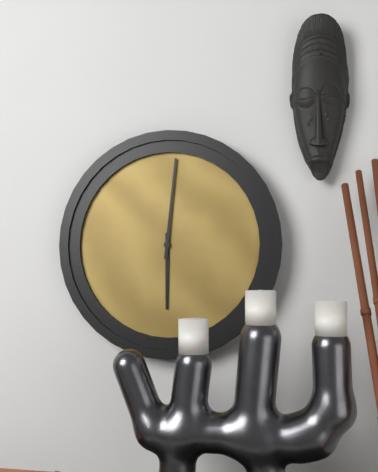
6.01
